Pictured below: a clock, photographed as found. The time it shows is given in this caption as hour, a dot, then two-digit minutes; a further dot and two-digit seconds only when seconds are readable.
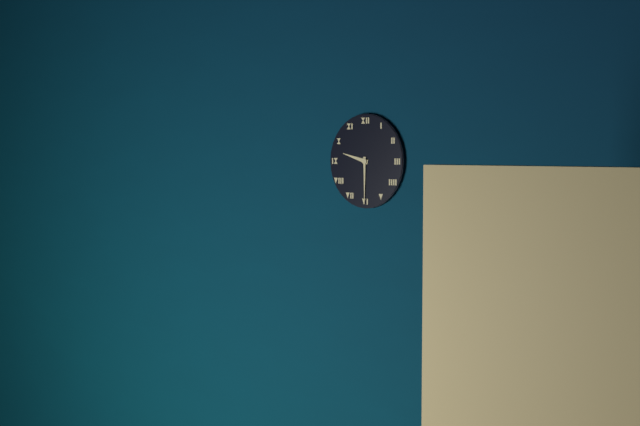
9.30
